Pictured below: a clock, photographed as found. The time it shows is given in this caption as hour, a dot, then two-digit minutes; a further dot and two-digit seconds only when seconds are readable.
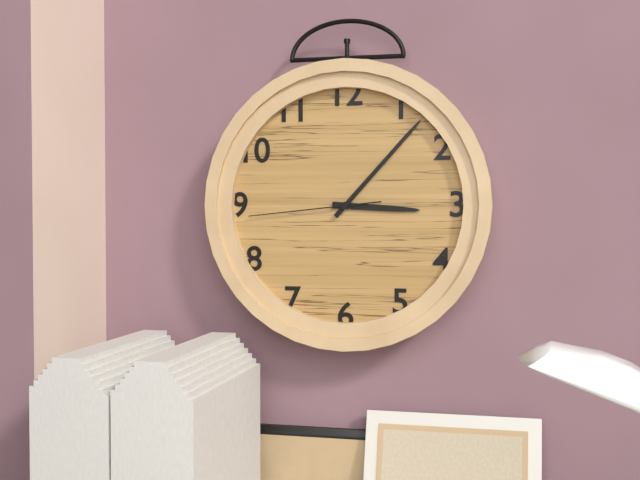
3.07.44
